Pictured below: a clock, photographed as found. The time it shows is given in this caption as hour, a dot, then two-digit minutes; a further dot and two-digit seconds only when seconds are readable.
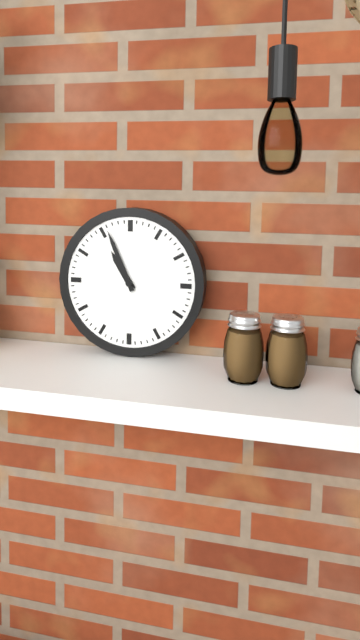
10.56
